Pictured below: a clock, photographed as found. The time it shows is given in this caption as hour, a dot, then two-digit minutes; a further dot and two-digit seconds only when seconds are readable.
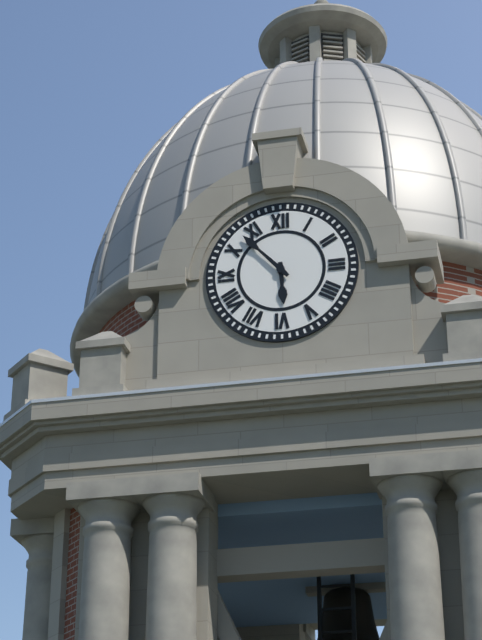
5.53
